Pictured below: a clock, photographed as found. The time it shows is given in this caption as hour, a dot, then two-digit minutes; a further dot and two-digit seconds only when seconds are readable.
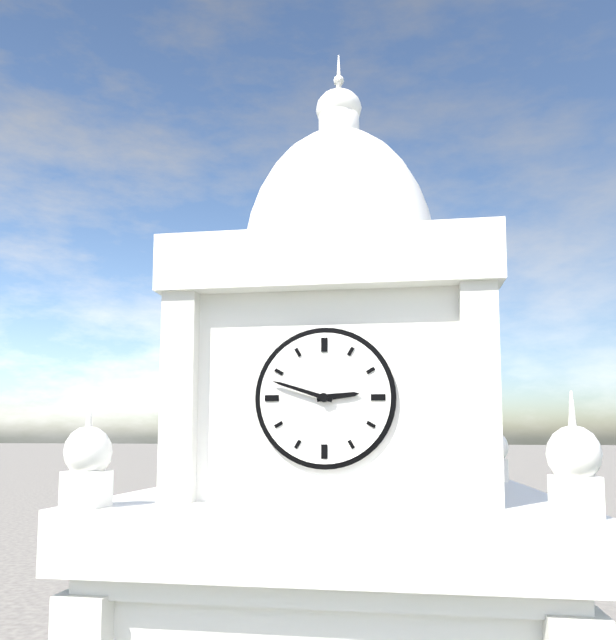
2.48
